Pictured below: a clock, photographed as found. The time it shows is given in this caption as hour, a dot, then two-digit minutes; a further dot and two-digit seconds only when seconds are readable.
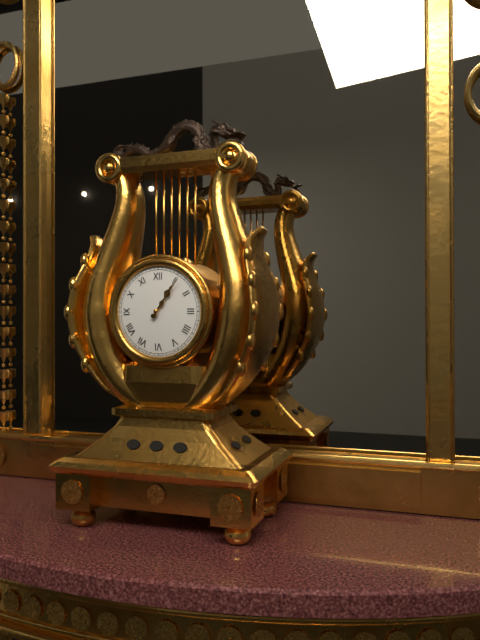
1.06
